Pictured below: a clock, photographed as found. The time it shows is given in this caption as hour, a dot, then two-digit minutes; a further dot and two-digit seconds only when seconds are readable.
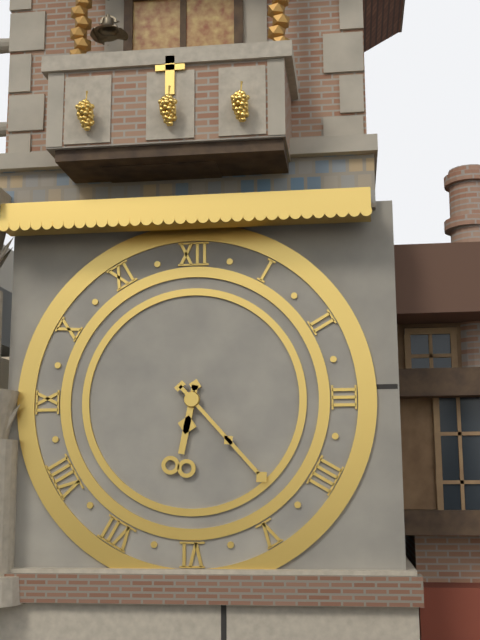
6.23
